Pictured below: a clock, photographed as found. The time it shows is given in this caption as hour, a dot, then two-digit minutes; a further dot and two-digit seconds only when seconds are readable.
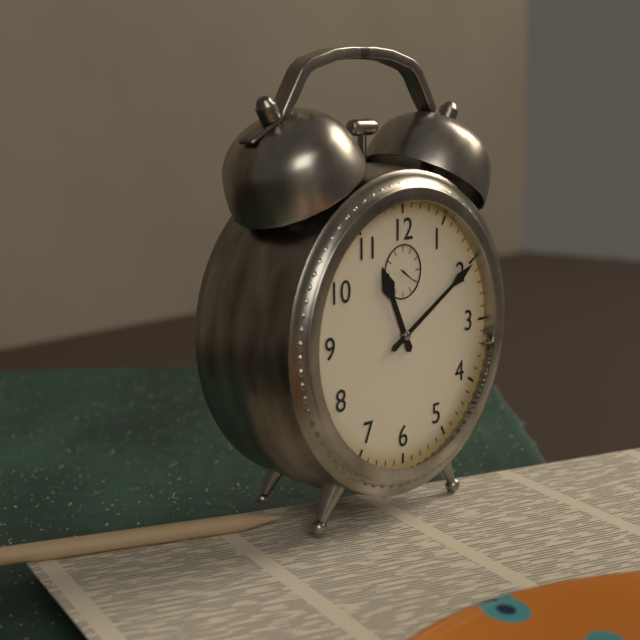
11.10
